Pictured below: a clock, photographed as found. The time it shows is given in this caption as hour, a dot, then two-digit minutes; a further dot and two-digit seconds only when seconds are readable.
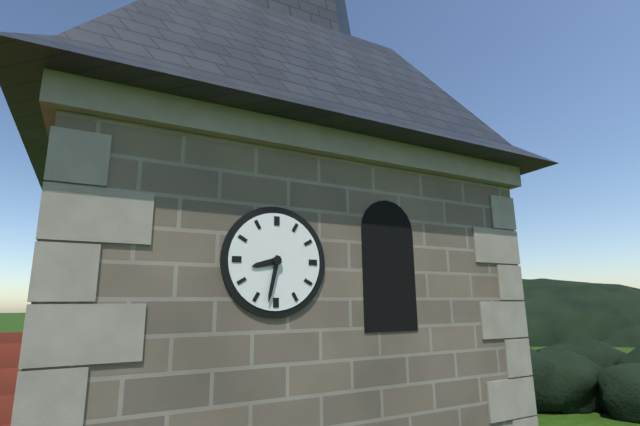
8.32
